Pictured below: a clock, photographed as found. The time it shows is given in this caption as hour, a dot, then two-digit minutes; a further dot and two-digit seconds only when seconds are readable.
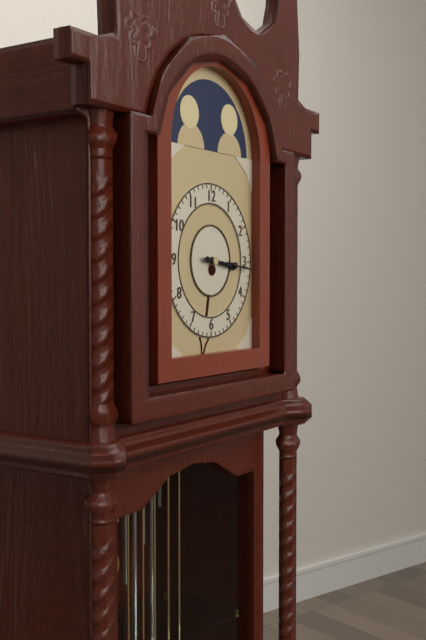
3.16
